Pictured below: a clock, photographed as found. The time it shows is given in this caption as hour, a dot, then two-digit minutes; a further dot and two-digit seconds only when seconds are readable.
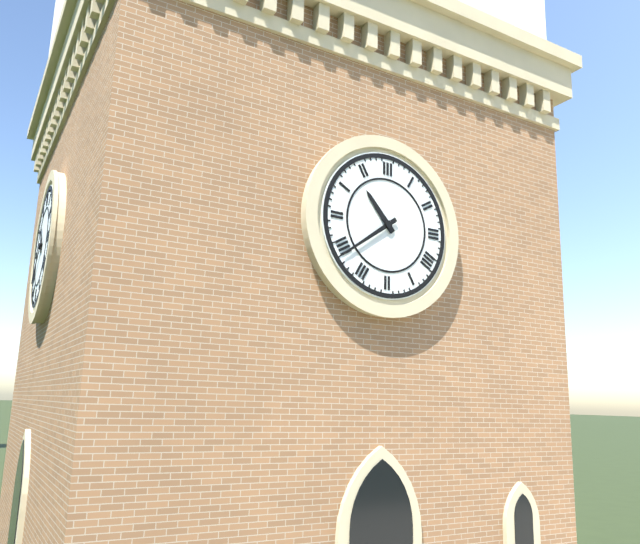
10.39
